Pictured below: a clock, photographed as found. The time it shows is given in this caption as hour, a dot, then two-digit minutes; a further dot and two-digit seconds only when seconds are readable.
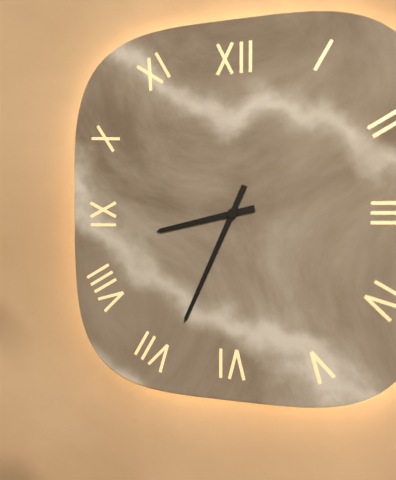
8.34
